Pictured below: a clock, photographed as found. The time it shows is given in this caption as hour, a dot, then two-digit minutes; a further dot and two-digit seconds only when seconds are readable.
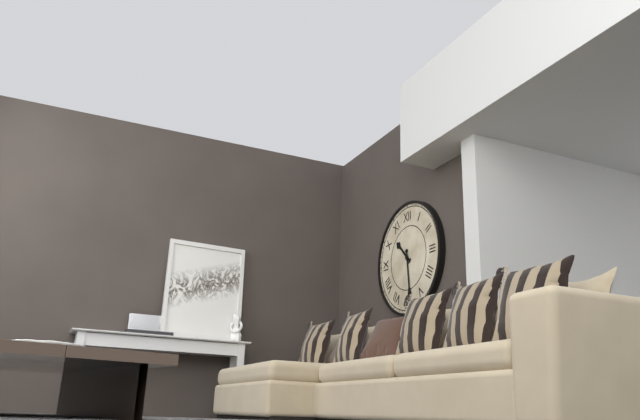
10.29
